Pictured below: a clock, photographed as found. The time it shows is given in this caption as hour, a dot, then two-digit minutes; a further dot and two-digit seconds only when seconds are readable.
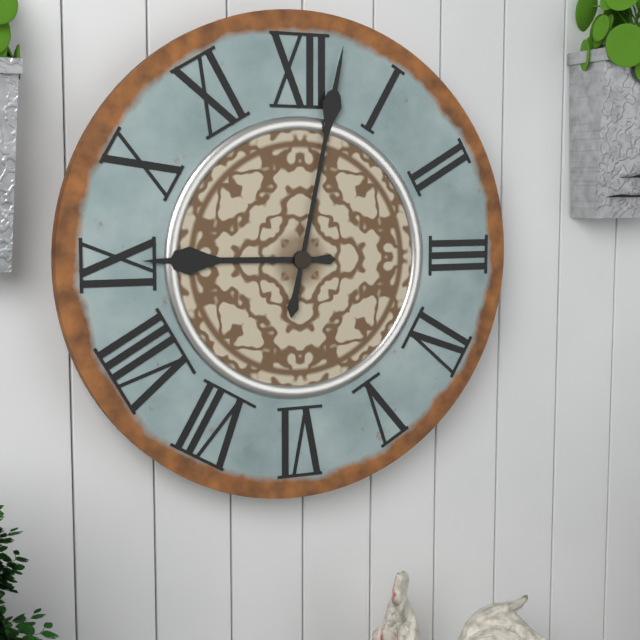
9.02
